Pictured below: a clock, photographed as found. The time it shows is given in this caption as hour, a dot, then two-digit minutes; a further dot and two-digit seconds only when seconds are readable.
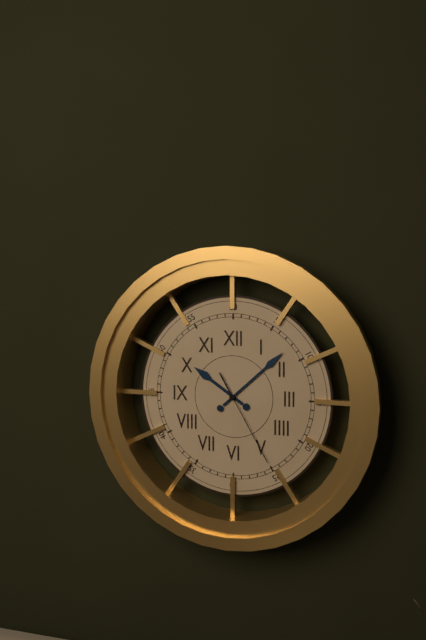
10.08.25
